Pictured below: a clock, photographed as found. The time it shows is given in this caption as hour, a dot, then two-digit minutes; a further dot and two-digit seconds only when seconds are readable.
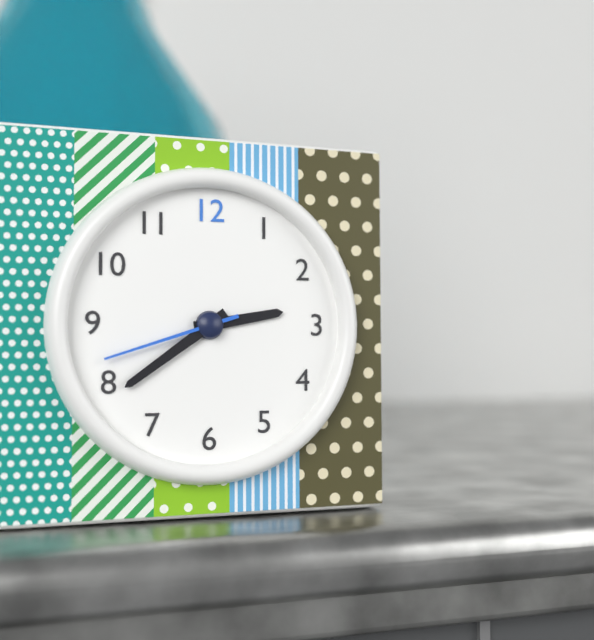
2.39.42
